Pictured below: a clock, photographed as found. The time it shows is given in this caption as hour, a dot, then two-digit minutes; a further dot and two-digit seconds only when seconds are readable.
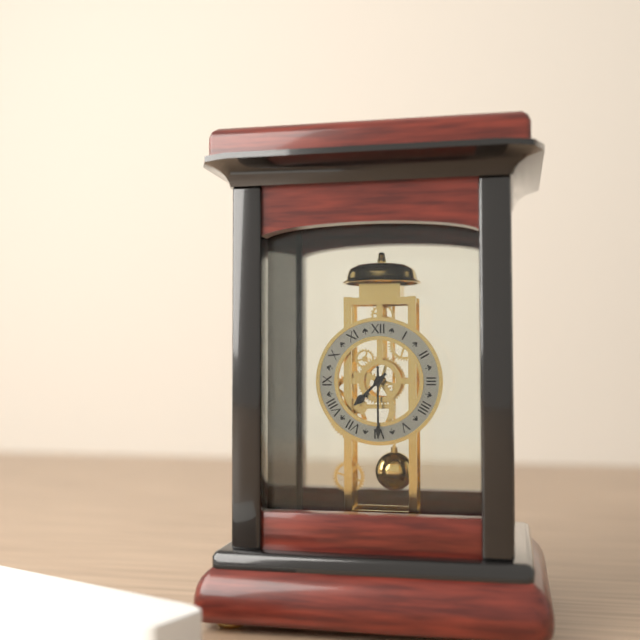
7.30
